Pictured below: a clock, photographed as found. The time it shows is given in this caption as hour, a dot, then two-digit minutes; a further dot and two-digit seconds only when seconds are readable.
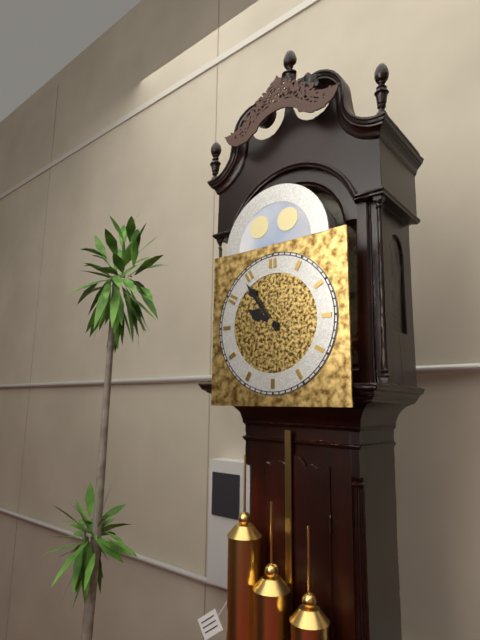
9.54
